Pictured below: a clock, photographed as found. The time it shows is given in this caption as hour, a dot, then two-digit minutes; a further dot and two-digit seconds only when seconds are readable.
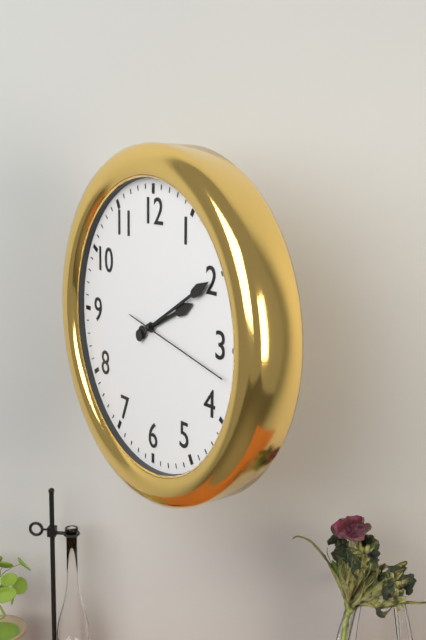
2.10.17
